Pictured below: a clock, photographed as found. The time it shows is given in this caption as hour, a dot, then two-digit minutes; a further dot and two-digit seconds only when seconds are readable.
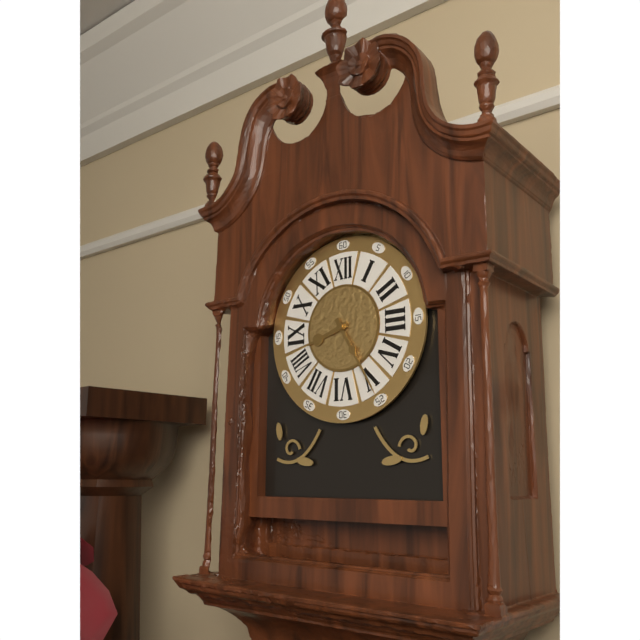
8.25
